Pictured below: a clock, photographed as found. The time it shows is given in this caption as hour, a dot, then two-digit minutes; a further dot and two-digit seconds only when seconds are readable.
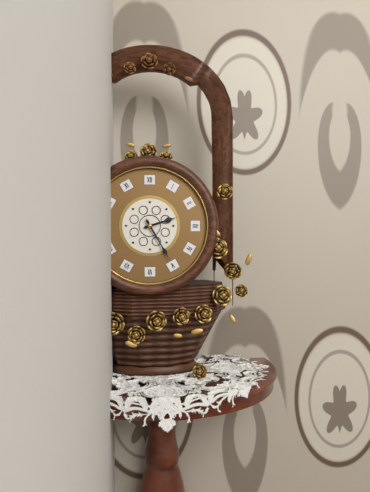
2.25
